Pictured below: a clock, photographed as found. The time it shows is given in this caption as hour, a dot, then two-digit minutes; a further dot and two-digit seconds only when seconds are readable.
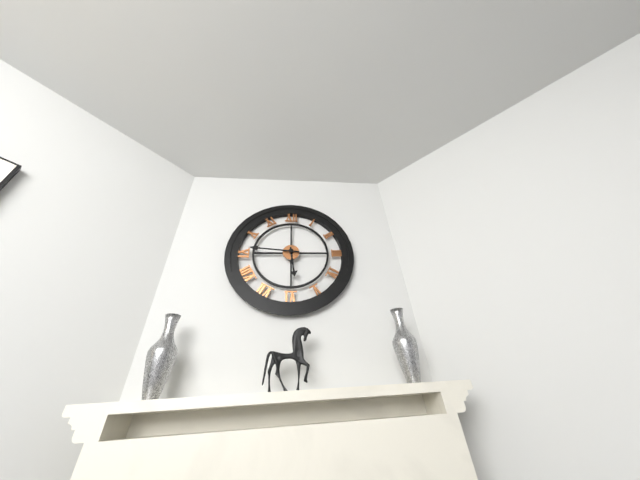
5.46
